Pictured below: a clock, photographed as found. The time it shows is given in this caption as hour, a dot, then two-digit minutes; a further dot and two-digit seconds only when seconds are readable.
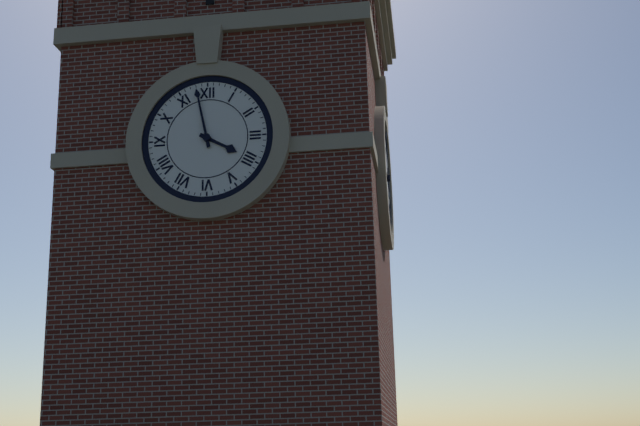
3.58
